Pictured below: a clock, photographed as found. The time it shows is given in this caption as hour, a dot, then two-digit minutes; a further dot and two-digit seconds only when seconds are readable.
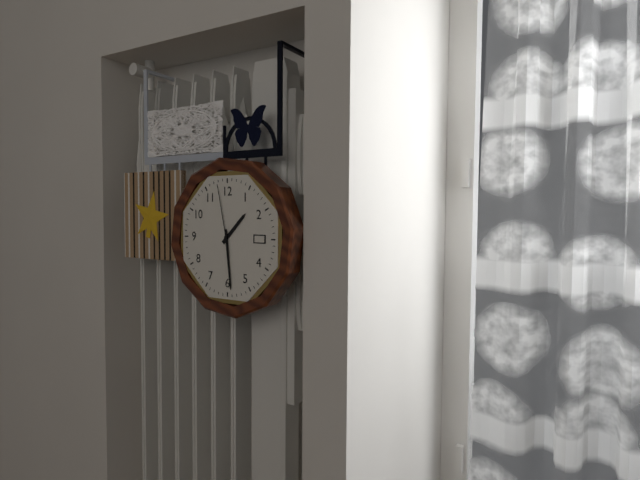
1.29.58
